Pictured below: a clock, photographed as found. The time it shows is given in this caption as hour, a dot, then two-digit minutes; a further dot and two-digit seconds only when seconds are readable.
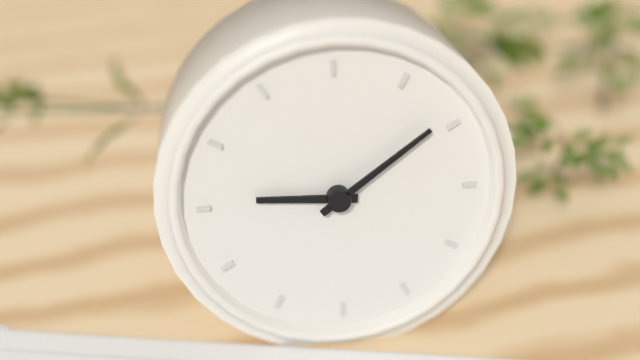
9.09
